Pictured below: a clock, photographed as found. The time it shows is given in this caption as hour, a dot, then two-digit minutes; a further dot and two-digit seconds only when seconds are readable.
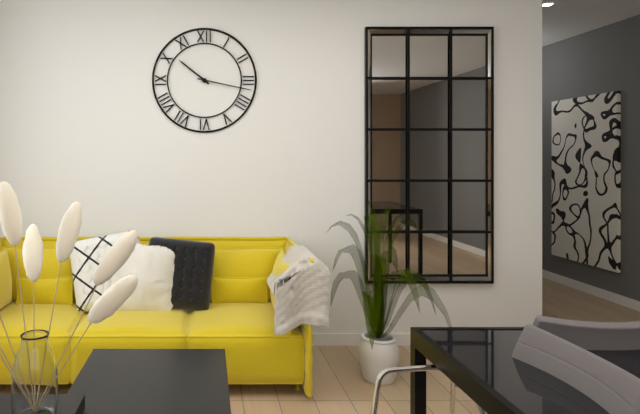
10.17
